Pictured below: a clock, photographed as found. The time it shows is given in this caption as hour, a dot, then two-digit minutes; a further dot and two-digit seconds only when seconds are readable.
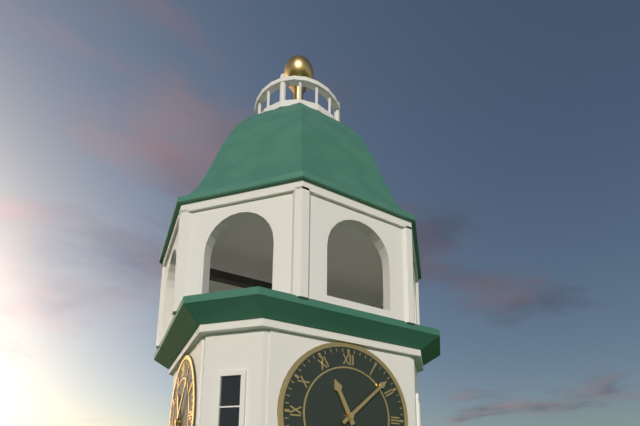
11.08
